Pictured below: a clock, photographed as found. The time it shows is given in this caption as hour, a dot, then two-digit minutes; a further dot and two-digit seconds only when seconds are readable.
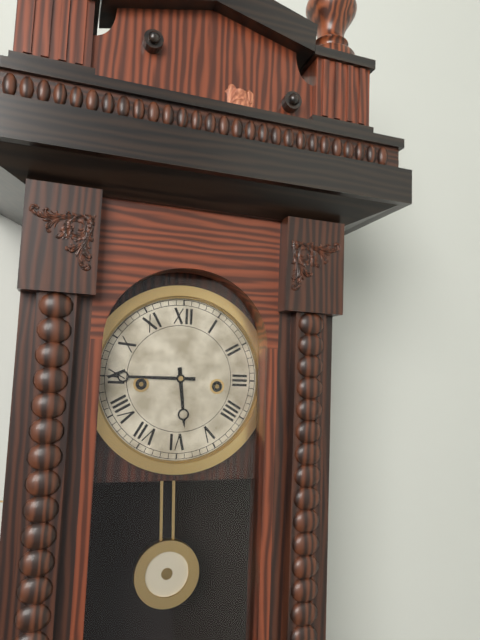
5.45
